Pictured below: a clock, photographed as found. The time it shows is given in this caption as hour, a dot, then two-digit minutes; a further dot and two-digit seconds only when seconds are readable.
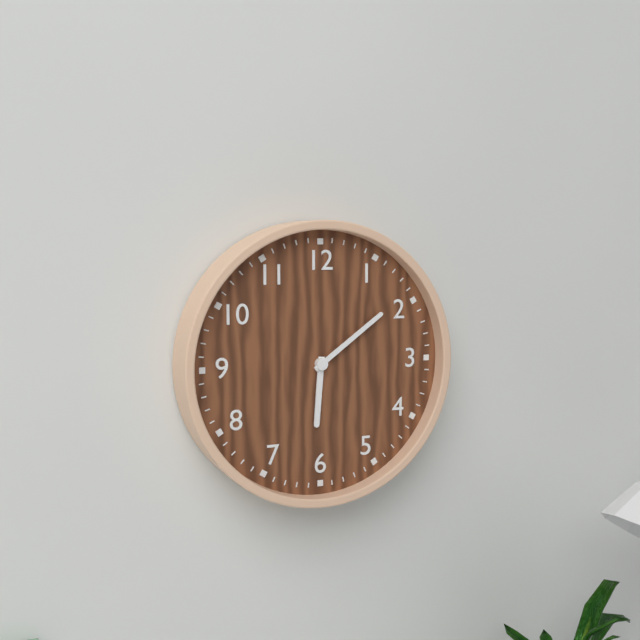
6.09
